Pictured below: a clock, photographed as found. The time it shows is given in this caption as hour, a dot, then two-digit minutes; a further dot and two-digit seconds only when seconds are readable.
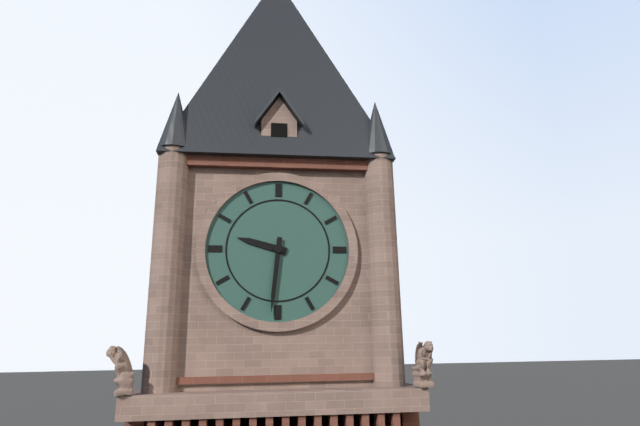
9.31
